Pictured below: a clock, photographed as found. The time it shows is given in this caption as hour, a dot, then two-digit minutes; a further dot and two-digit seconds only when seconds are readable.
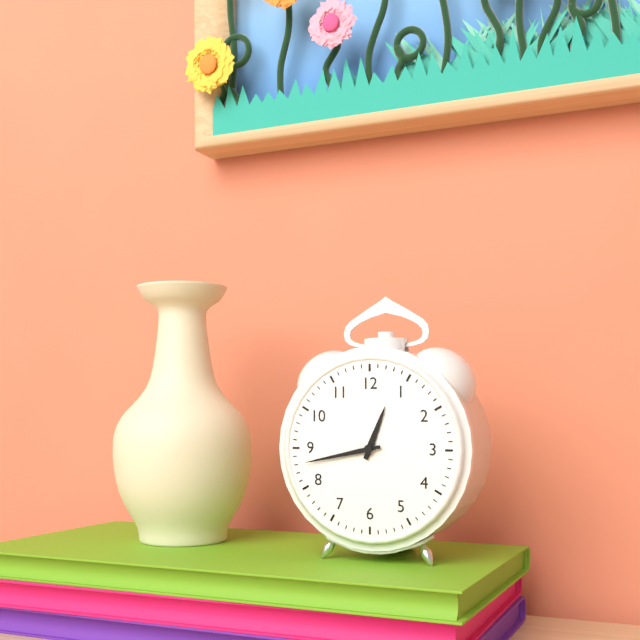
12.43
